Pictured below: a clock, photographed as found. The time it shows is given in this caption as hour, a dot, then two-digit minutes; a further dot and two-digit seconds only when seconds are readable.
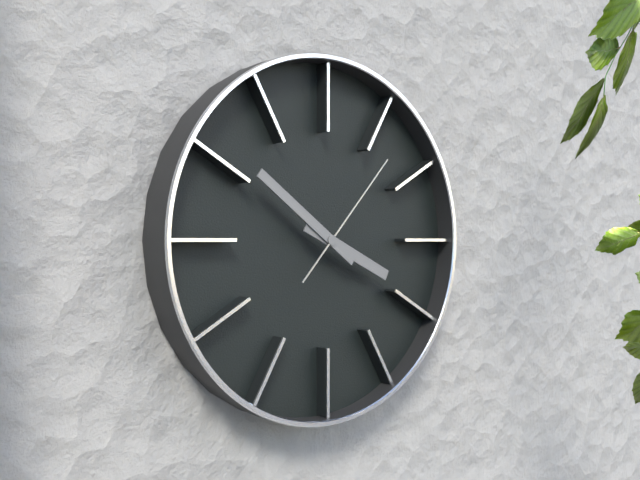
3.51.07
